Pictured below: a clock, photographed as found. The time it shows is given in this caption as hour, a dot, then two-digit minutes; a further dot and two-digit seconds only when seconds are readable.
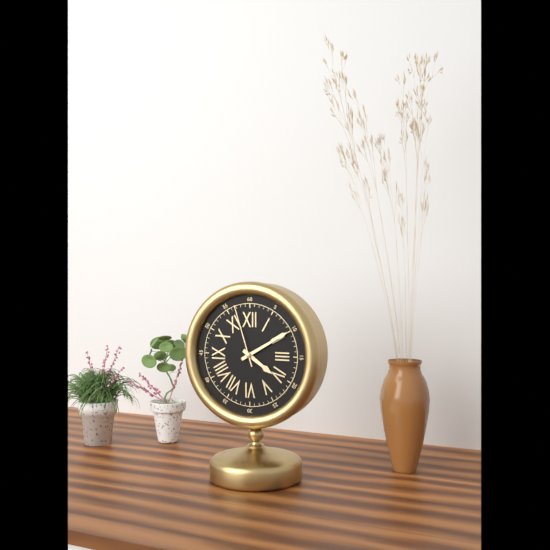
4.10.57
